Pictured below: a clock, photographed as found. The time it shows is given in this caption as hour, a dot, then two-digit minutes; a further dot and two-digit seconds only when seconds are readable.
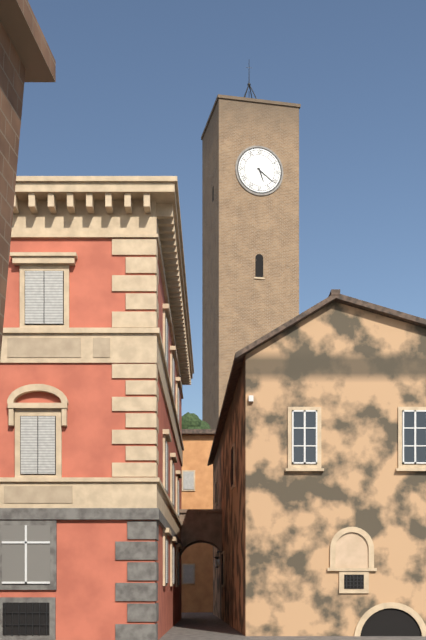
5.21
